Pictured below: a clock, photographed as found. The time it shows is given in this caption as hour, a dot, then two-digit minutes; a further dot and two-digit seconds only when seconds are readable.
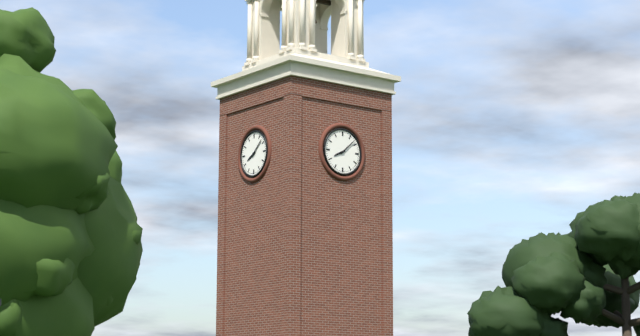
8.08
